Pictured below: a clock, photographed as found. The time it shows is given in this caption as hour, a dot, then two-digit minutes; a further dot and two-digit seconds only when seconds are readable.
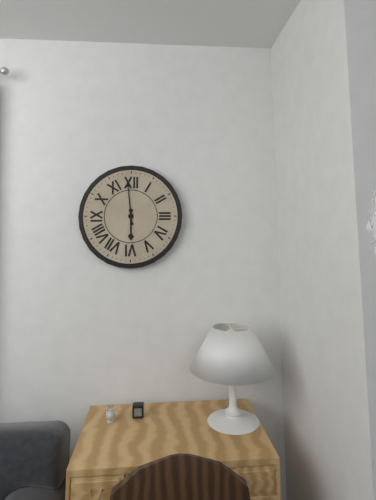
5.59
